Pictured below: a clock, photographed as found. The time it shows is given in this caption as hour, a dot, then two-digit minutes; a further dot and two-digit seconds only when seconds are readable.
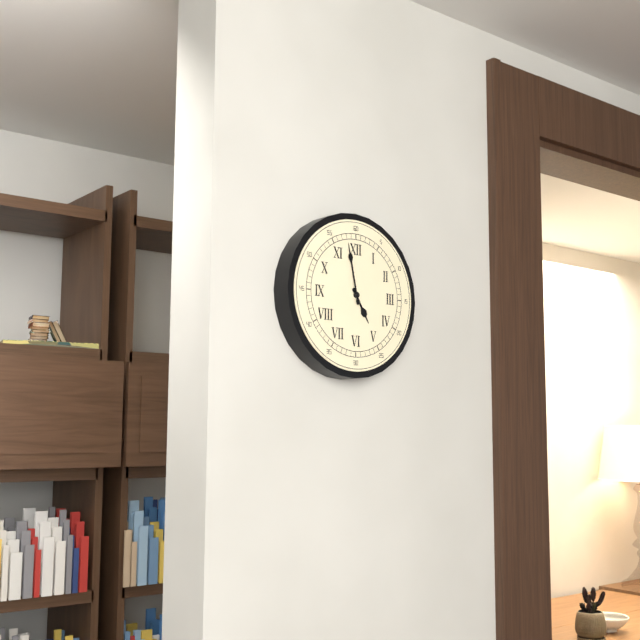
4.58
